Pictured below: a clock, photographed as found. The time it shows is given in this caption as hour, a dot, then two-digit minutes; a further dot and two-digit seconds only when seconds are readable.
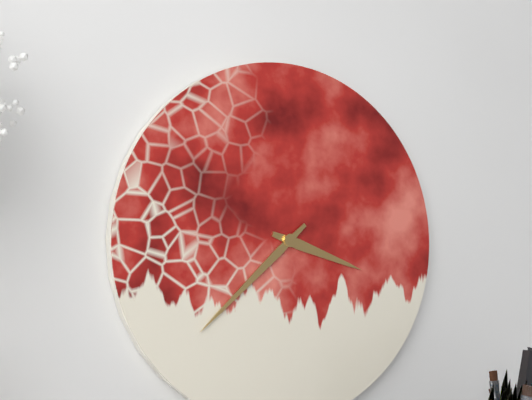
3.38
